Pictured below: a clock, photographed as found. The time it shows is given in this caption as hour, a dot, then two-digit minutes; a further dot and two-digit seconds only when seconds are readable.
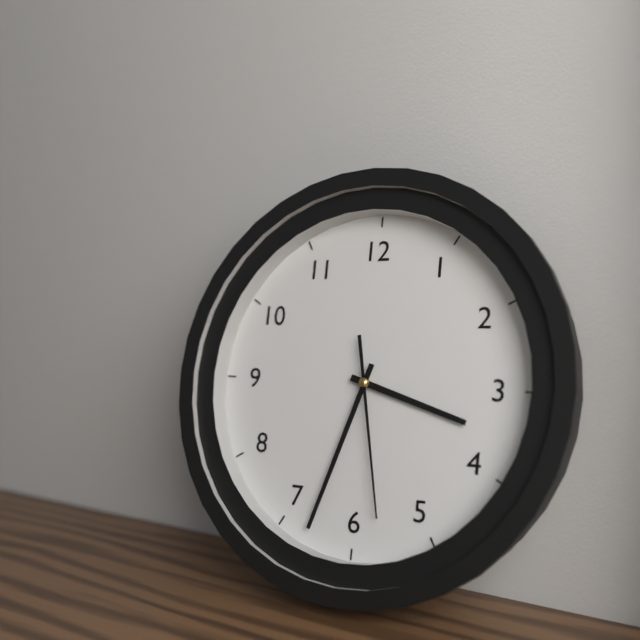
3.33.28
